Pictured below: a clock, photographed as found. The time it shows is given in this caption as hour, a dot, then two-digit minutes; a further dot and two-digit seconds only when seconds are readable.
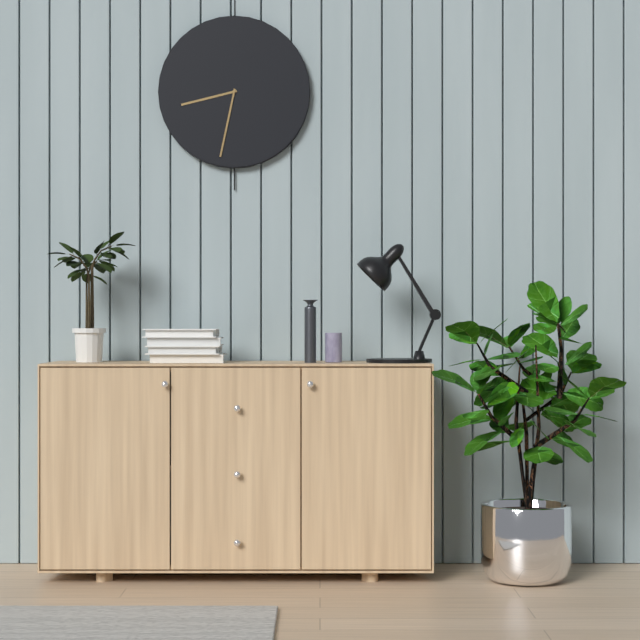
8.32
